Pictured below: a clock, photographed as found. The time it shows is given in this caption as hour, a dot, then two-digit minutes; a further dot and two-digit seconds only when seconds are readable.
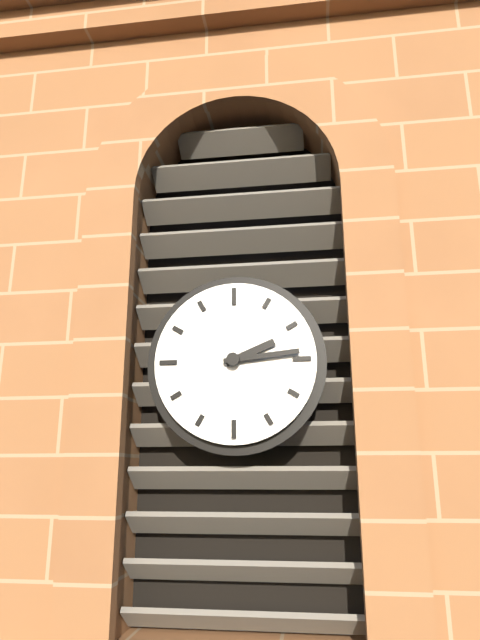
2.14
